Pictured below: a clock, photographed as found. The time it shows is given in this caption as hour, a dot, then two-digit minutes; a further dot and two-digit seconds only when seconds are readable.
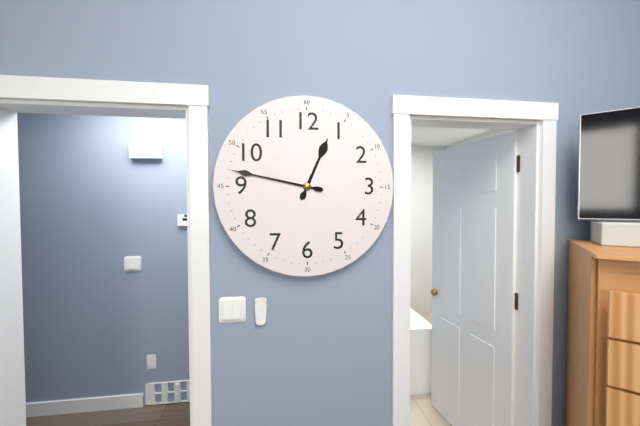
12.47
